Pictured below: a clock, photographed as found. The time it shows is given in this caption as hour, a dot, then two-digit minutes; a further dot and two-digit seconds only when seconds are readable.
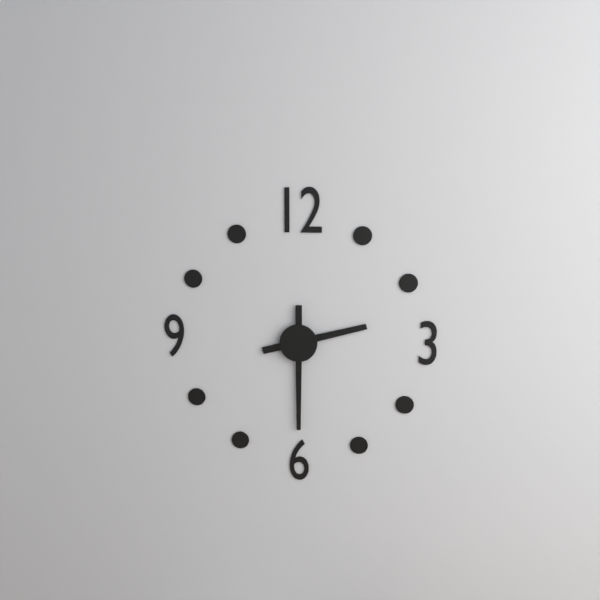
2.30
